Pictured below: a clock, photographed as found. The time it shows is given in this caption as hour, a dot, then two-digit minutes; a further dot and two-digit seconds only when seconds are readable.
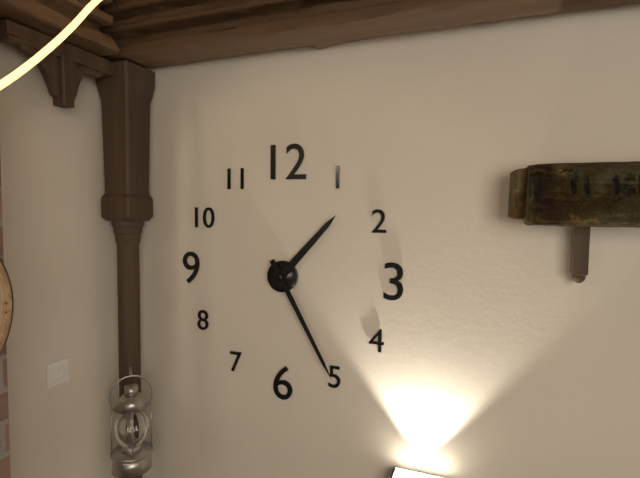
1.25
